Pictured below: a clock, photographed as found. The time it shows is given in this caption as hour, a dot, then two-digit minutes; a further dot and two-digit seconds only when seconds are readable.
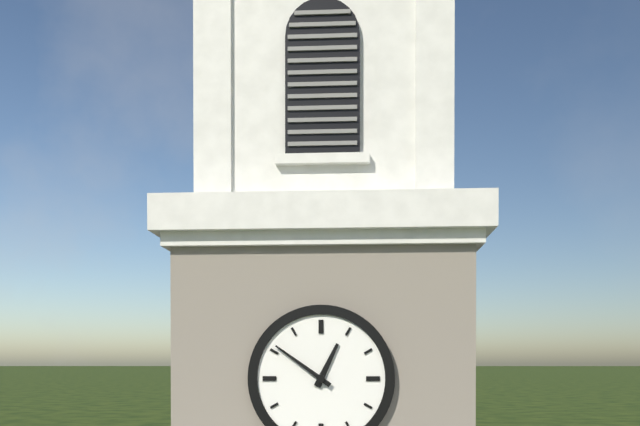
12.51
